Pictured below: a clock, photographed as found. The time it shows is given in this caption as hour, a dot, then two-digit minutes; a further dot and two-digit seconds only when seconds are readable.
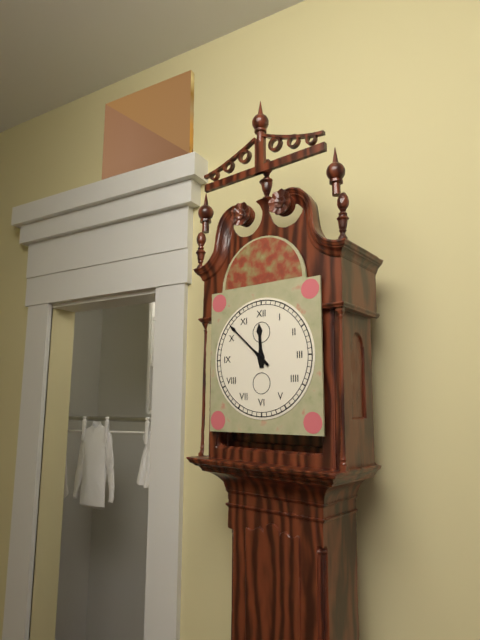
11.52
